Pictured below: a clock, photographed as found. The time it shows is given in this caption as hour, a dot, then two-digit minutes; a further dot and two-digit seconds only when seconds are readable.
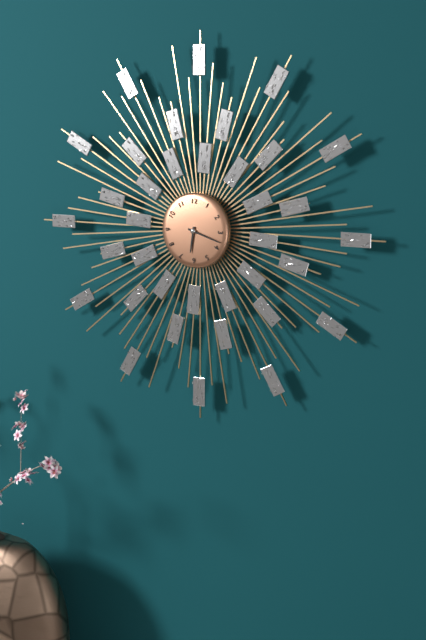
6.18
